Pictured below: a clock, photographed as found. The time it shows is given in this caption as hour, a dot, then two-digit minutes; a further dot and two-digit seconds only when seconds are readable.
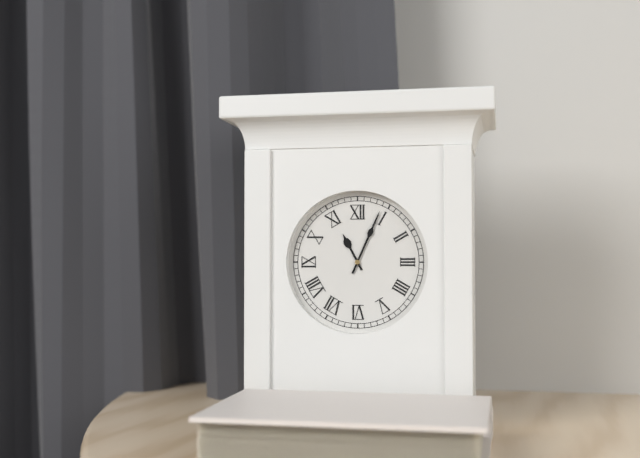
11.04
